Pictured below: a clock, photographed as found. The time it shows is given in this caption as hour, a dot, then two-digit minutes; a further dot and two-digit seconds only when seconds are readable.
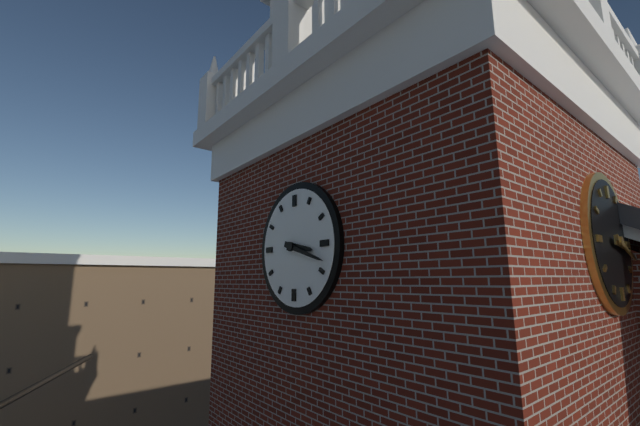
3.18
